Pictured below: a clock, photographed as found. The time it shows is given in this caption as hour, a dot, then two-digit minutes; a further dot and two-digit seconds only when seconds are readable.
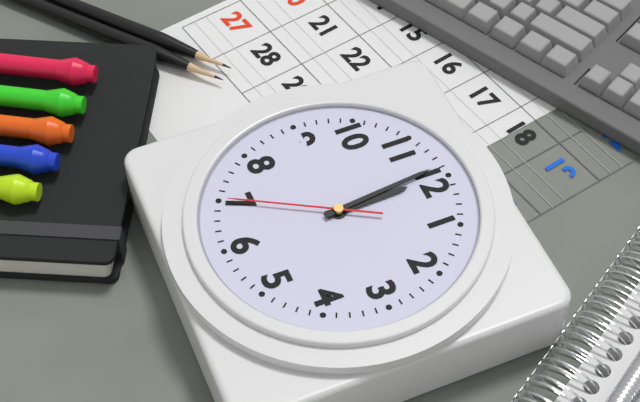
11.59.35
